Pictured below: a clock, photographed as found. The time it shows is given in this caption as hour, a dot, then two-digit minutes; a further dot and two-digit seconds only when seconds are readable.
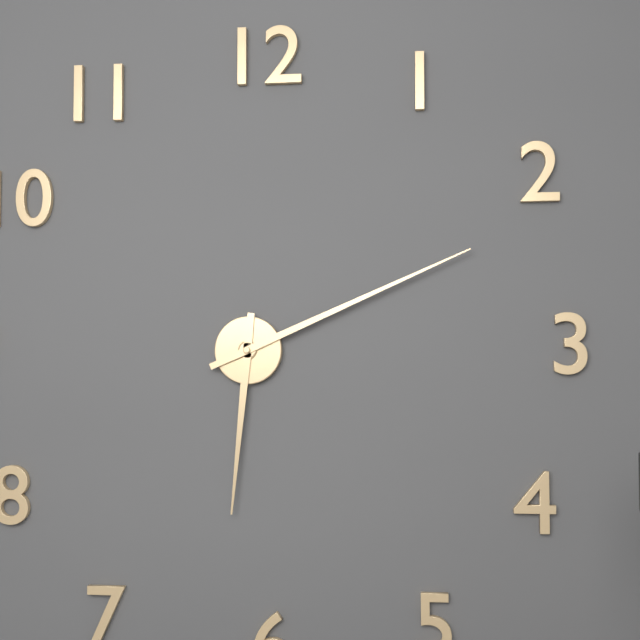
6.11
